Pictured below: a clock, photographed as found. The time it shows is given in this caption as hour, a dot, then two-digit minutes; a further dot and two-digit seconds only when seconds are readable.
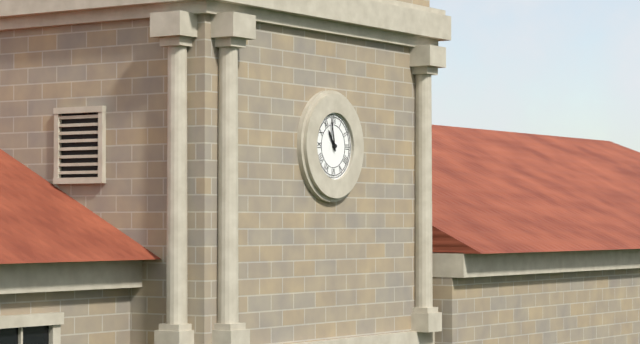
10.58
